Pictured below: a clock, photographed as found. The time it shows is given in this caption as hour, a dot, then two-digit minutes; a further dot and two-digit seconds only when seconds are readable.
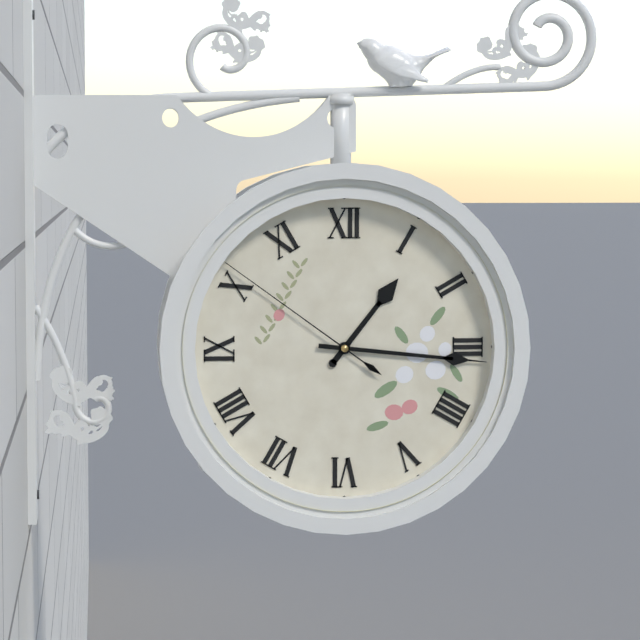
1.16.51
